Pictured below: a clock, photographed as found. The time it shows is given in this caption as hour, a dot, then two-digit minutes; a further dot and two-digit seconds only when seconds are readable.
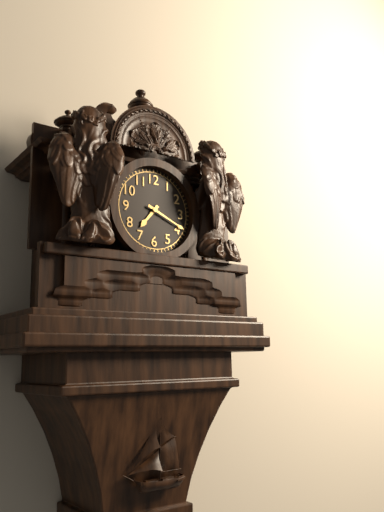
7.19
